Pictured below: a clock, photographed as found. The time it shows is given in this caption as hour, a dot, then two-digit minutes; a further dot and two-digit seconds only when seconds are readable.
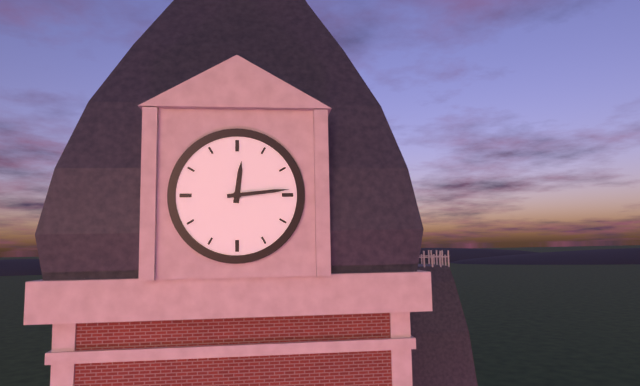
12.14
